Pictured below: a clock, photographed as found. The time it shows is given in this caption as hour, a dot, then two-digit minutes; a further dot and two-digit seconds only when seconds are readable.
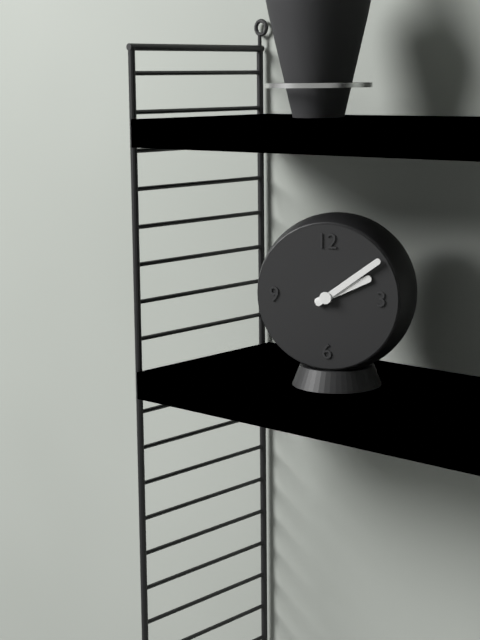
2.09
